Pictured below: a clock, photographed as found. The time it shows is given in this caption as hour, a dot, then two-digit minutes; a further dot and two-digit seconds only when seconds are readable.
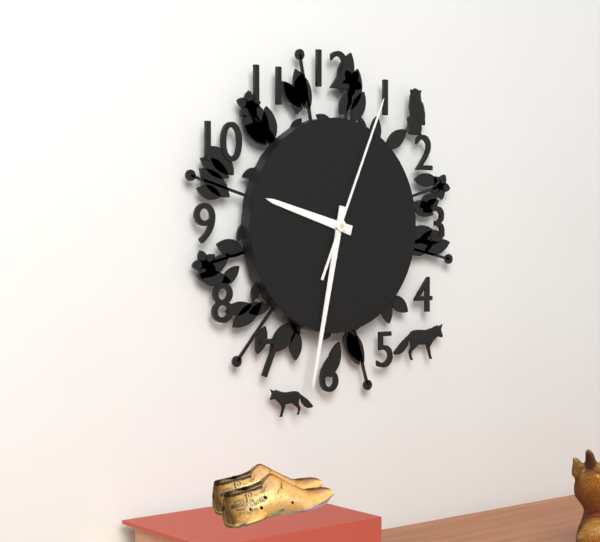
9.32.04
